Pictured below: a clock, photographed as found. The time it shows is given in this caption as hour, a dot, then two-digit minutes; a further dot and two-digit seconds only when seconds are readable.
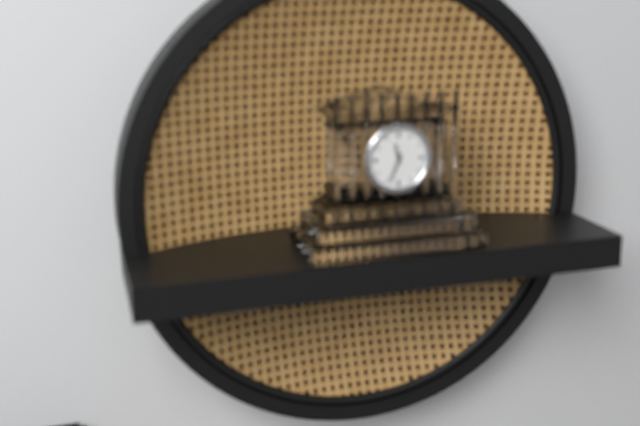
11.34
